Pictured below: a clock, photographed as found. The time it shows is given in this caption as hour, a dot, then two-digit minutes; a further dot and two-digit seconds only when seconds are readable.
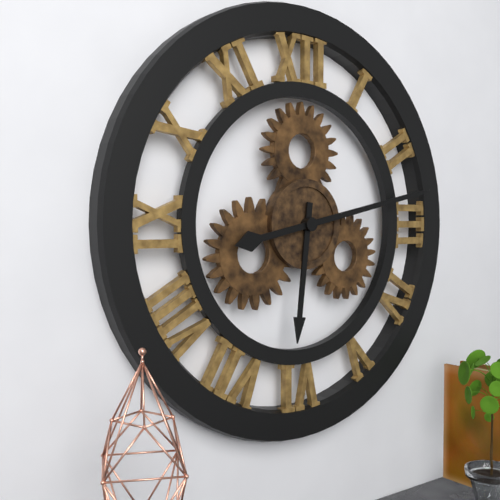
6.13
